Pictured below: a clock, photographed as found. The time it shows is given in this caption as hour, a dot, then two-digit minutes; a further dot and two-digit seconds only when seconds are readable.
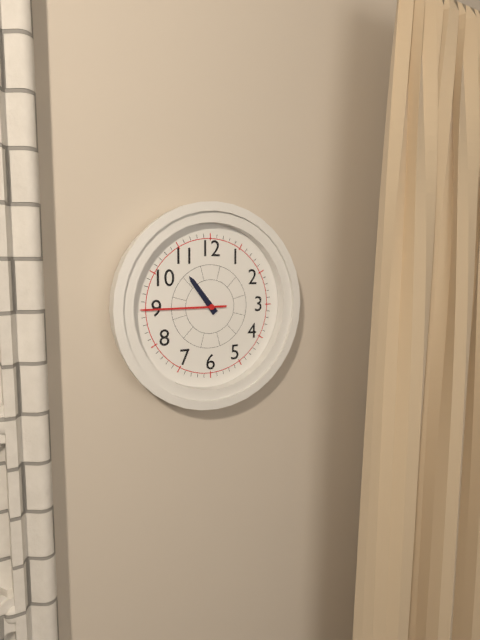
10.45
